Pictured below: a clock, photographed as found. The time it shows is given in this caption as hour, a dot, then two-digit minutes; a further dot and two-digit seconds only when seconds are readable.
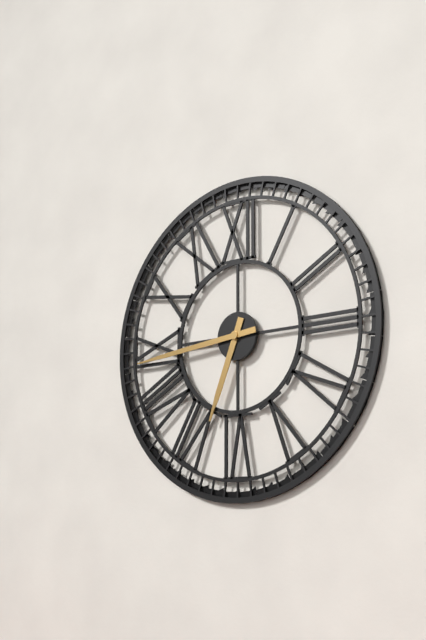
6.44
